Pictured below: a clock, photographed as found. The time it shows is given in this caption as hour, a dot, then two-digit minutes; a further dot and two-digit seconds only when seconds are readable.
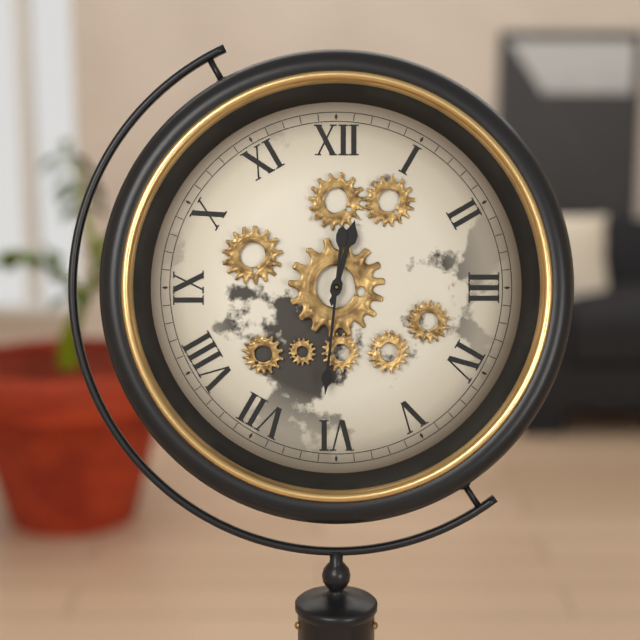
12.31
